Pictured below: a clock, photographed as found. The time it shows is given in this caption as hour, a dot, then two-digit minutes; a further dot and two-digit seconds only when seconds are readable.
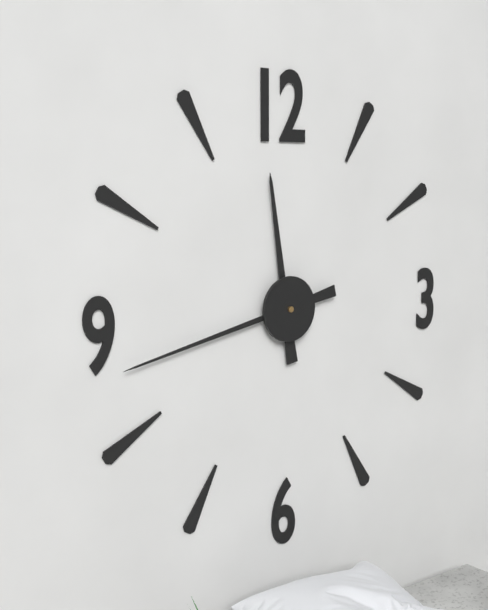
11.43
